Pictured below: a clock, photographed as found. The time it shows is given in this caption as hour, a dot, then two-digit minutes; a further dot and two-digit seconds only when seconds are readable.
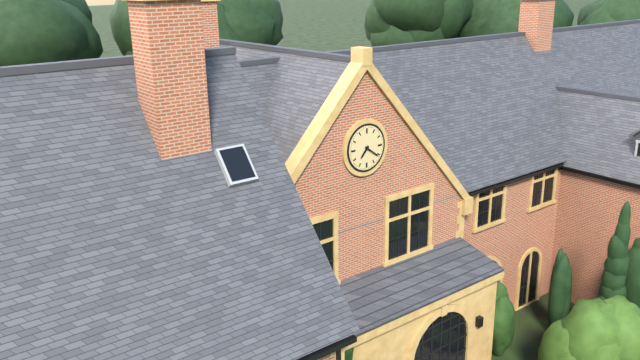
7.21
